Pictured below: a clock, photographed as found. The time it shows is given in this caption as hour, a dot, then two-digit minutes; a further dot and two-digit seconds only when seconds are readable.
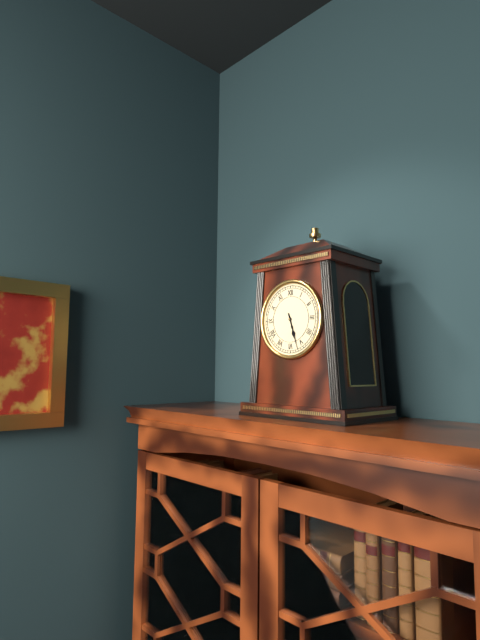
5.27
